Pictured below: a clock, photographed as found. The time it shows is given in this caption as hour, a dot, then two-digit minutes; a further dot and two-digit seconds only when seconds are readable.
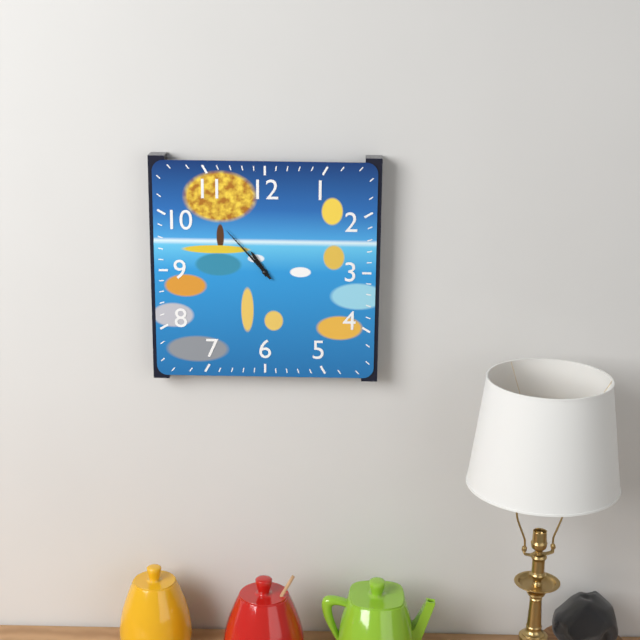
10.53
